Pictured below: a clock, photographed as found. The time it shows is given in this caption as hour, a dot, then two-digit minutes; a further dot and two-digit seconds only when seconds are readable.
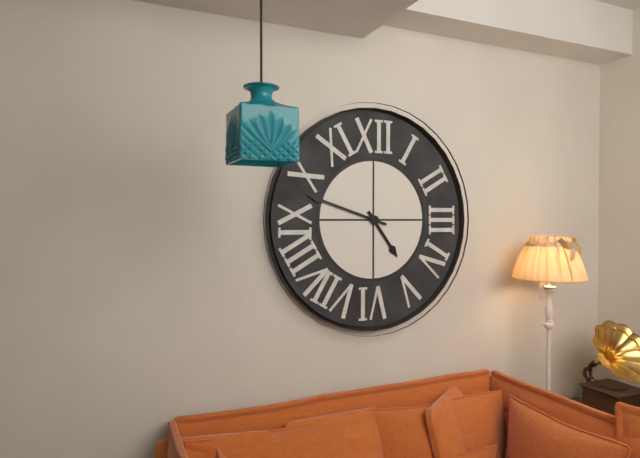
4.48
